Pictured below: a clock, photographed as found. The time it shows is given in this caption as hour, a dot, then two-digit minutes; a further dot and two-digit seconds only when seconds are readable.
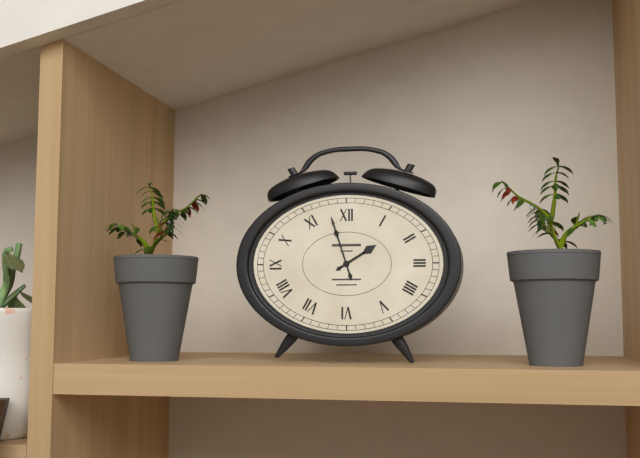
1.57
